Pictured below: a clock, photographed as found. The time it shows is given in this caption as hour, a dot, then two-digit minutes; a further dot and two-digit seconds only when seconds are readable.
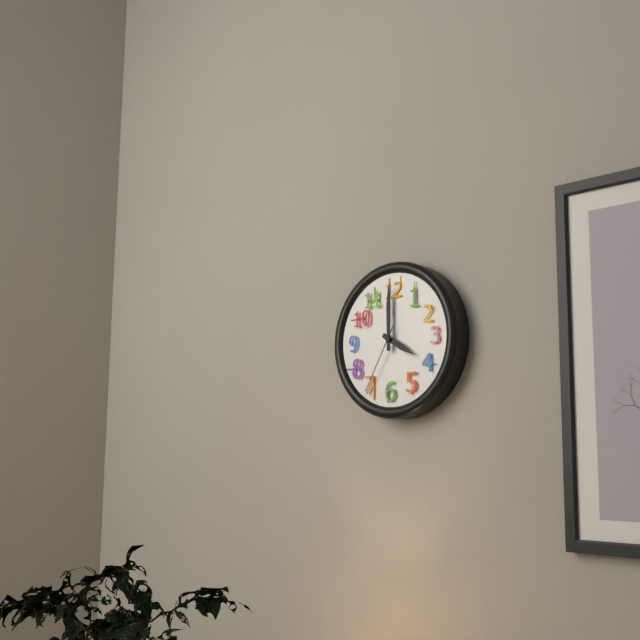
4.00.35
